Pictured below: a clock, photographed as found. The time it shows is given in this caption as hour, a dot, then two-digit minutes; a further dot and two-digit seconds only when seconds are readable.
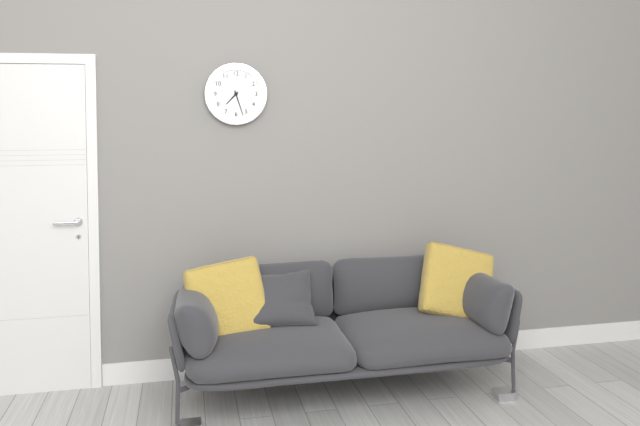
7.27
